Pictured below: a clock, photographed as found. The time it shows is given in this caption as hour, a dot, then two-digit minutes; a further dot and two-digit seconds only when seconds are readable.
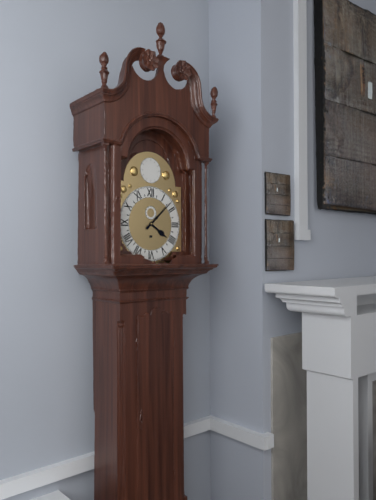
4.08
